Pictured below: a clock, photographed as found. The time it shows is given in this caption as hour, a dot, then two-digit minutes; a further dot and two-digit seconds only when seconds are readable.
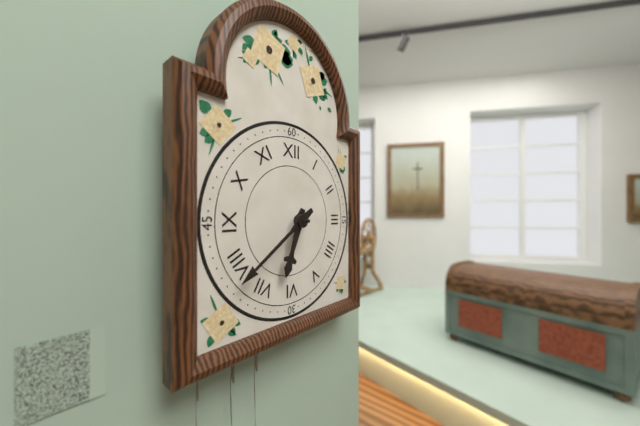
6.39
